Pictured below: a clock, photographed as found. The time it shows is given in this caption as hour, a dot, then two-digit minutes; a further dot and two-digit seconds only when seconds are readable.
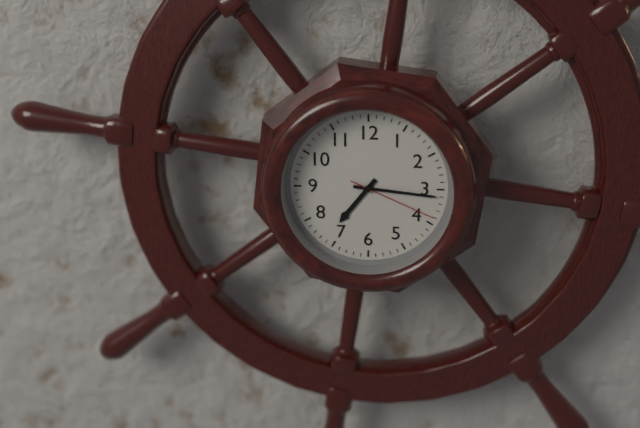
7.16.19
